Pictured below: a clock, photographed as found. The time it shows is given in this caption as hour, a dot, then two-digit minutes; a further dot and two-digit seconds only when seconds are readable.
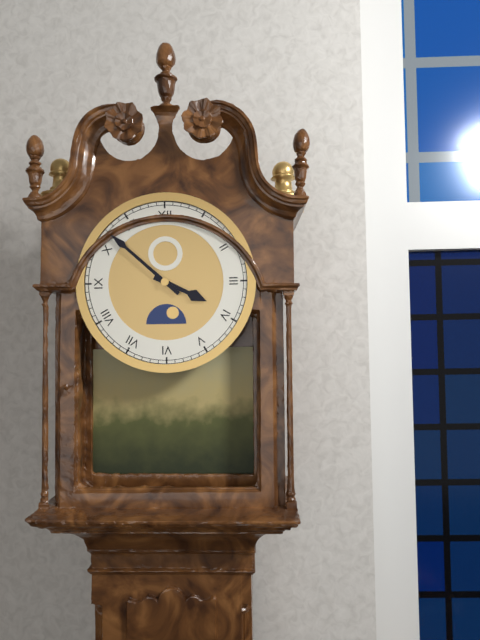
3.52
